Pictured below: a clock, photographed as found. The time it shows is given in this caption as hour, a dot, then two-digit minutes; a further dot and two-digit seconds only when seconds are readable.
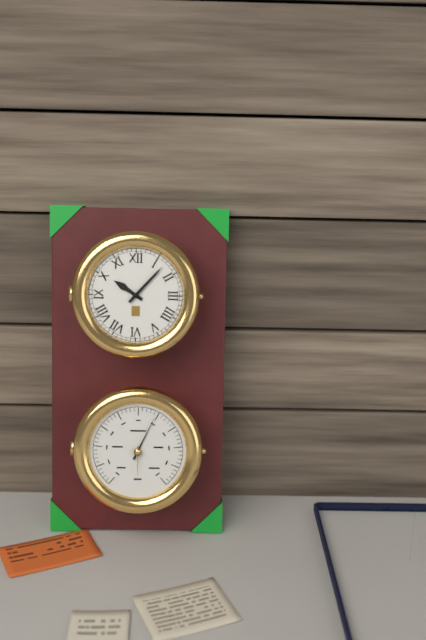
10.07
